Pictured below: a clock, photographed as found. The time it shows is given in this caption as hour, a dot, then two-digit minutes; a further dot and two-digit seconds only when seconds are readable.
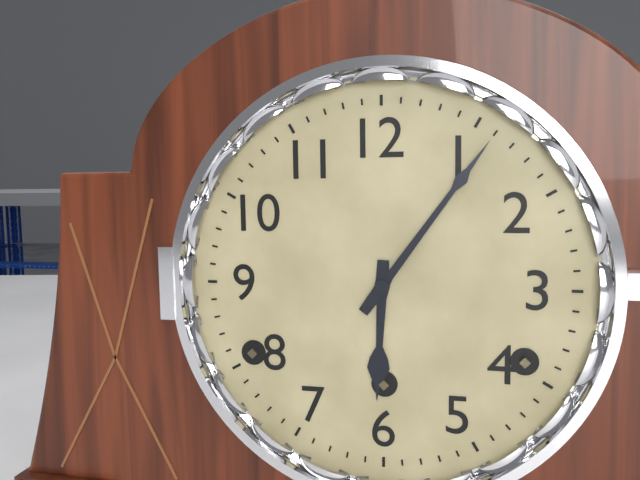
6.06
